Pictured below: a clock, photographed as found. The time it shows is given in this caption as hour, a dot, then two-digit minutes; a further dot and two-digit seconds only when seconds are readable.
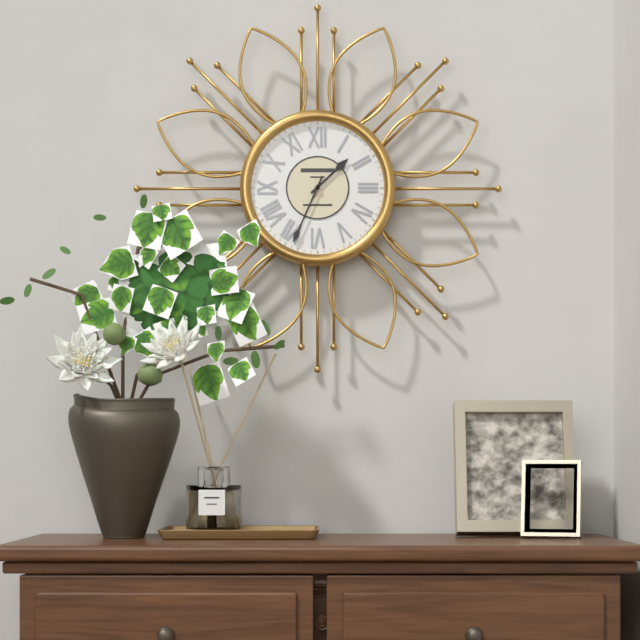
1.34
